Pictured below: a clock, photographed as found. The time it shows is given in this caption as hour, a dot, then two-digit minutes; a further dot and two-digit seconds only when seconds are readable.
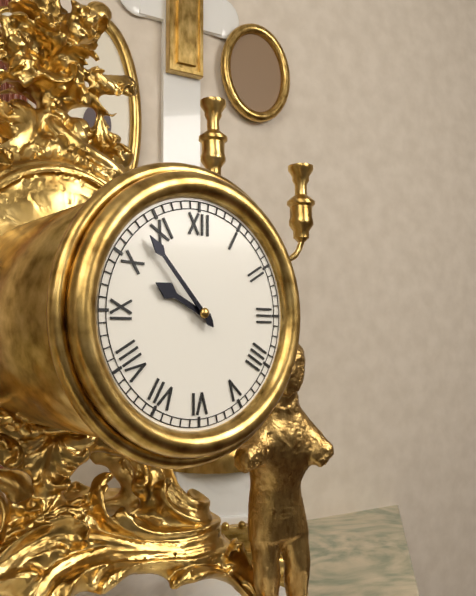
9.53
